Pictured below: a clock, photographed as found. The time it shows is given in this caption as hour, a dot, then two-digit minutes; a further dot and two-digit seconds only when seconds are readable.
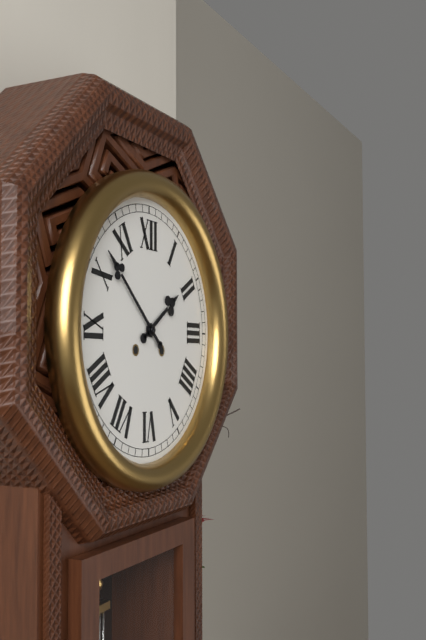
1.52
